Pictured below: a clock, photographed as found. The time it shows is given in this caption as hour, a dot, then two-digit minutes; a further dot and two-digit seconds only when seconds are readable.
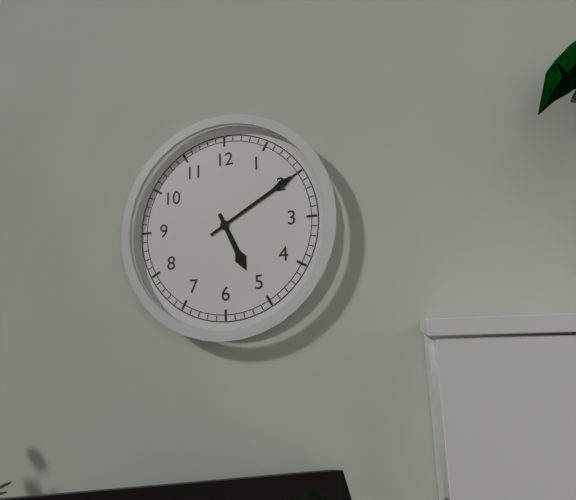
5.10
